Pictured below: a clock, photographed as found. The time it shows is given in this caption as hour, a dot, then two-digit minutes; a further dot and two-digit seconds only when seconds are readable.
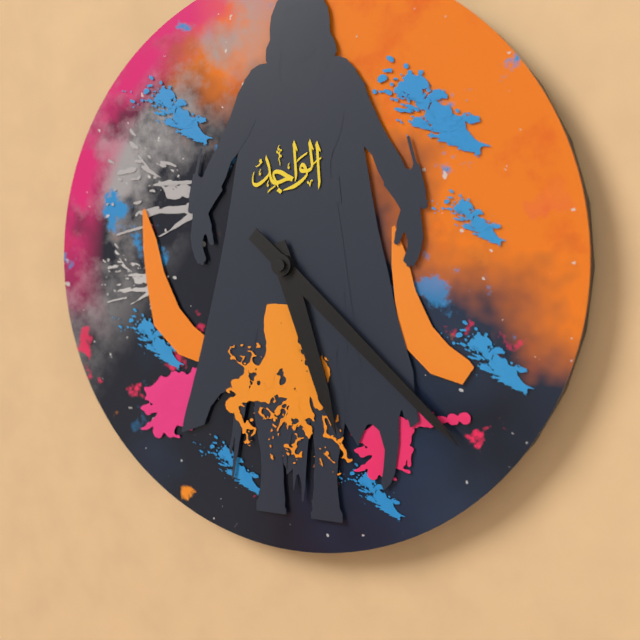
5.22
